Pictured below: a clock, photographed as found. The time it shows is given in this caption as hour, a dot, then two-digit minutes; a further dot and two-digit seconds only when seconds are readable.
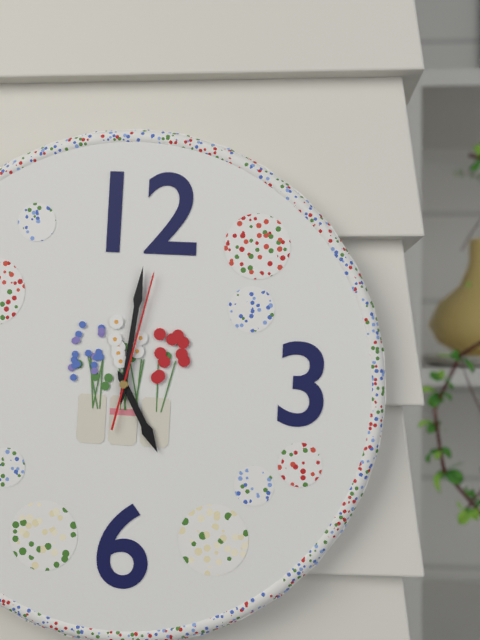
5.01.02
